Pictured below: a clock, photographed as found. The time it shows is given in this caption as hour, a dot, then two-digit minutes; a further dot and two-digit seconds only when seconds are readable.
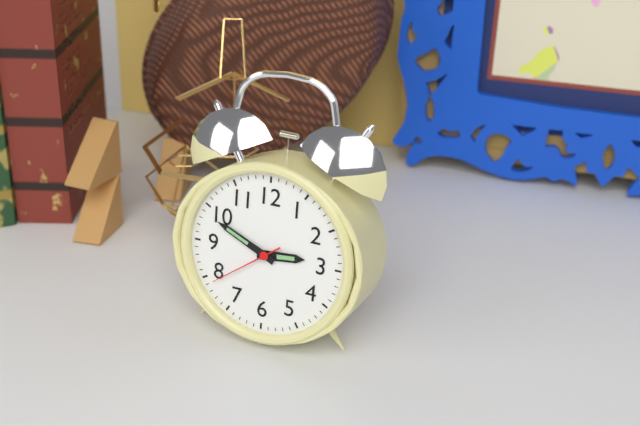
2.49.39
